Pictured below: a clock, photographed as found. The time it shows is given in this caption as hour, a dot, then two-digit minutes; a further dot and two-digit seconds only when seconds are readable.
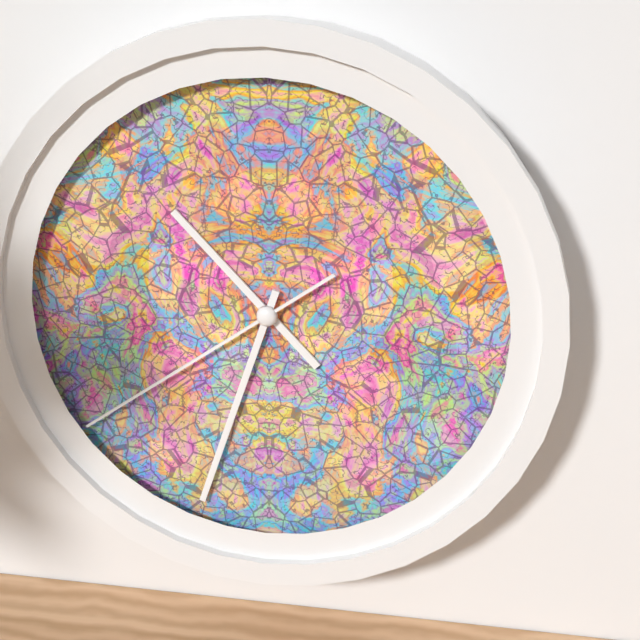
10.33.39
